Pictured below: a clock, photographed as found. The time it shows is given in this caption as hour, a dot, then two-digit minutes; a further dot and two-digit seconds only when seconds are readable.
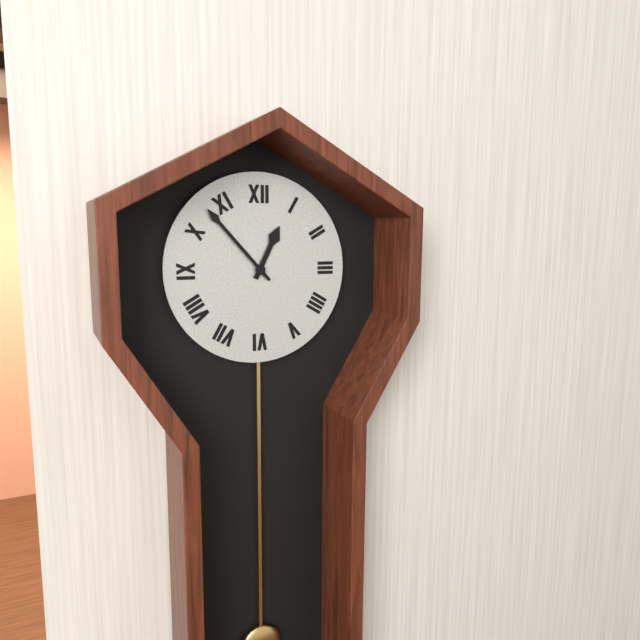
12.53
